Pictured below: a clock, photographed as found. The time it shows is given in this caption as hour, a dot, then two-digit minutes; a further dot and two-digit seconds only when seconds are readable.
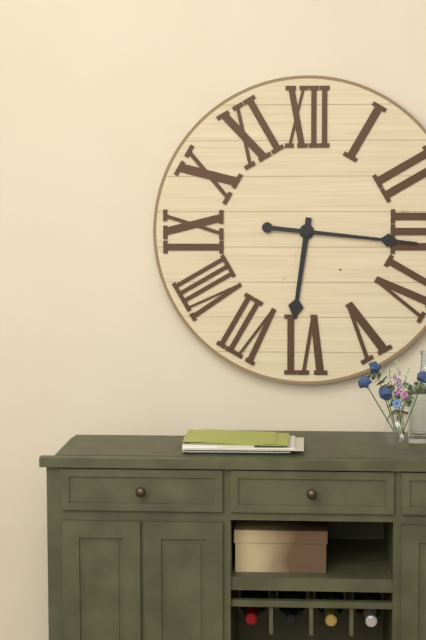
6.16
